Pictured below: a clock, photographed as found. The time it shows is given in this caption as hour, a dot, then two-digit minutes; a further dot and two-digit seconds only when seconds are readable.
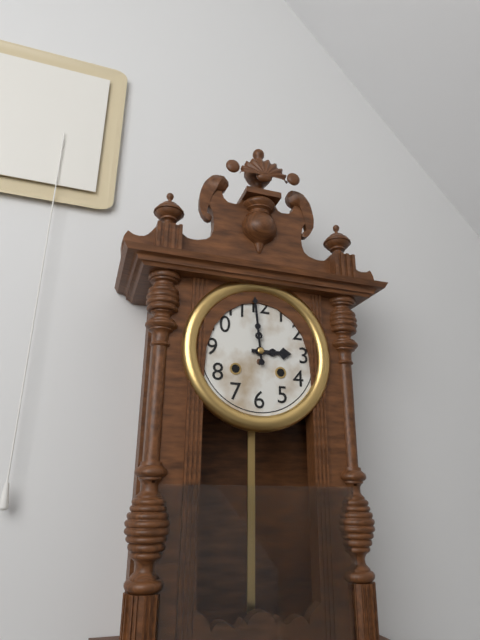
2.59
